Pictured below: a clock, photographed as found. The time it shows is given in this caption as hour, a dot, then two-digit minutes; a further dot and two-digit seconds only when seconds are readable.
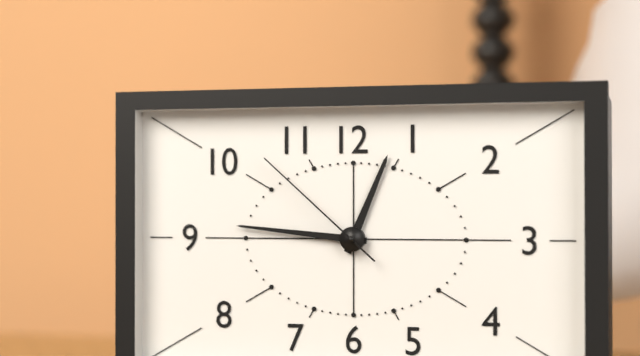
12.46.52
